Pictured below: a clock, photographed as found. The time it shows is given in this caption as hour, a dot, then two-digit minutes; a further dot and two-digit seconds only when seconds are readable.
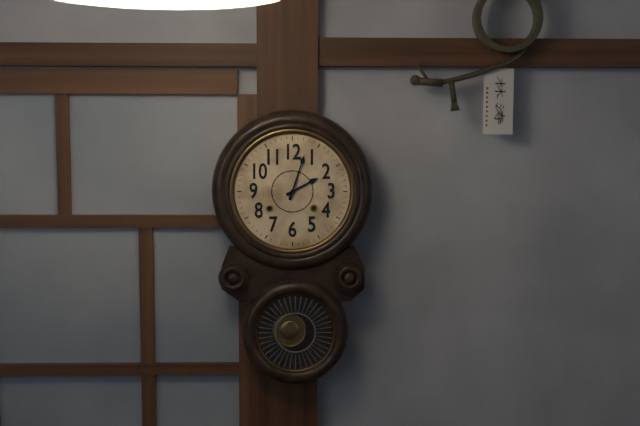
2.03
